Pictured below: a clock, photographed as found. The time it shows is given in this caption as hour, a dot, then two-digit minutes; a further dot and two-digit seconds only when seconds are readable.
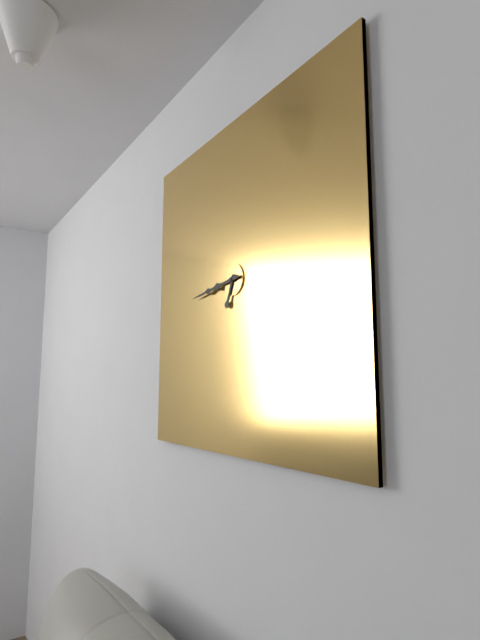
6.44
